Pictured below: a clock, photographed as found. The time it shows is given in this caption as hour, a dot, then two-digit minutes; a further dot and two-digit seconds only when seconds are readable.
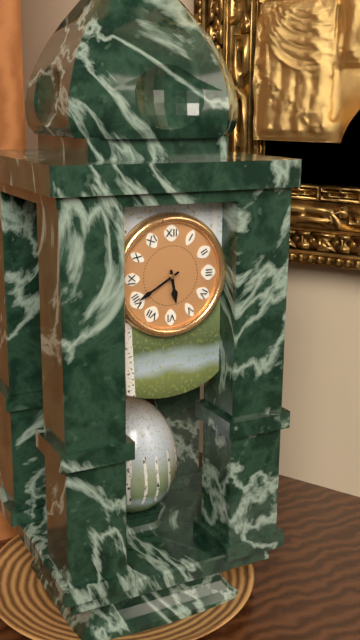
5.40
